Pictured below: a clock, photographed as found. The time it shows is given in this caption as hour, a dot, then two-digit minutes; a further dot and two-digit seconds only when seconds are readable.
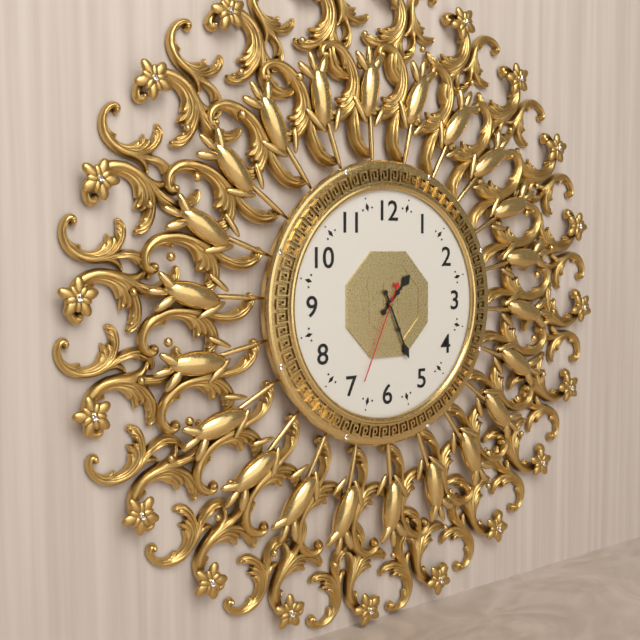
1.26.34
